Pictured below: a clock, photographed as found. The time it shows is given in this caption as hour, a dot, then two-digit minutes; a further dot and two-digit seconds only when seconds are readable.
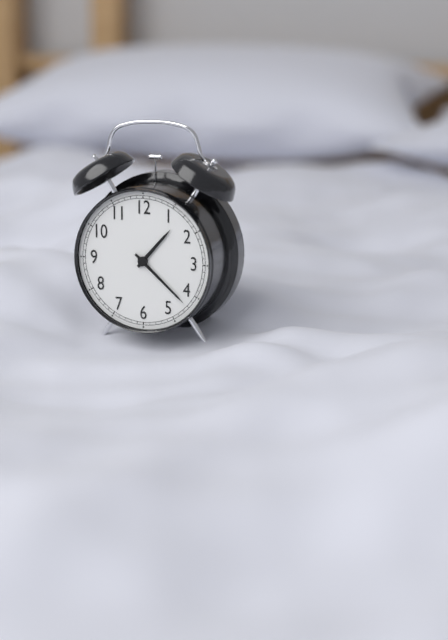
1.22
